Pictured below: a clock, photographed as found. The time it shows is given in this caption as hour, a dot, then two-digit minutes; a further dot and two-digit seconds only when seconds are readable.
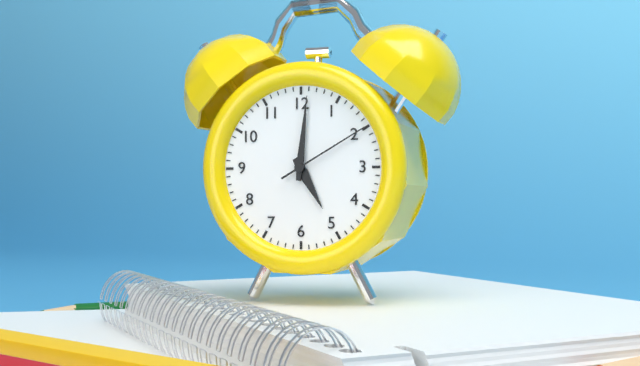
5.01.10
